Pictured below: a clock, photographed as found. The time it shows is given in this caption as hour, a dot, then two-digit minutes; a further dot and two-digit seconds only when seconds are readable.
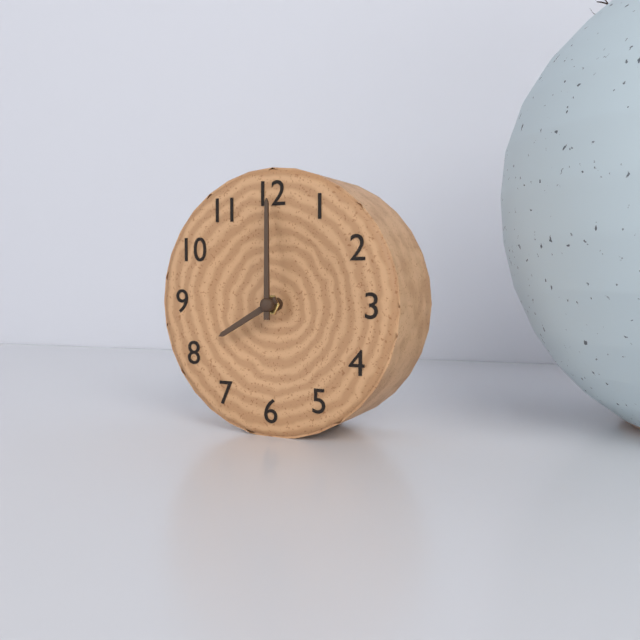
8.00
